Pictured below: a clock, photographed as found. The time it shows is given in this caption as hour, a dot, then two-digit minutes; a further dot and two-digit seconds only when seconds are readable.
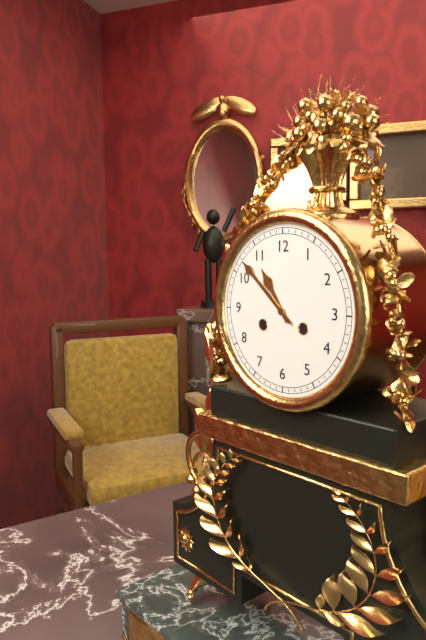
10.52
